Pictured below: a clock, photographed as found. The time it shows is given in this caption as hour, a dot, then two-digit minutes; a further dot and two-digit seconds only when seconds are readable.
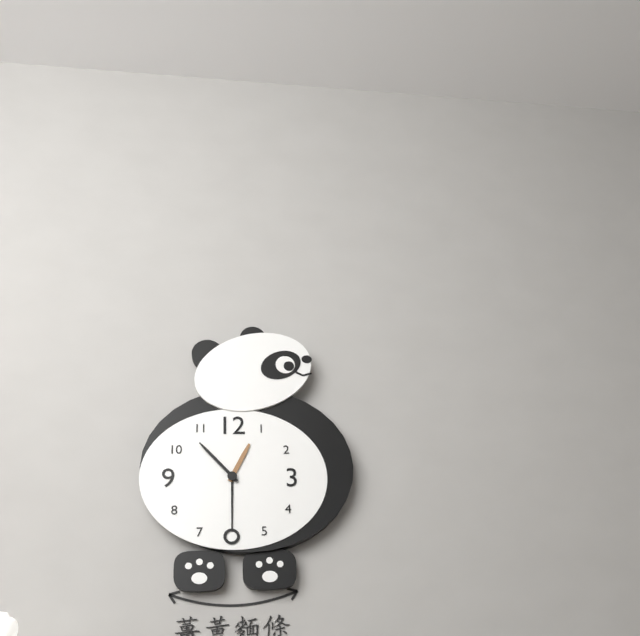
12.53
